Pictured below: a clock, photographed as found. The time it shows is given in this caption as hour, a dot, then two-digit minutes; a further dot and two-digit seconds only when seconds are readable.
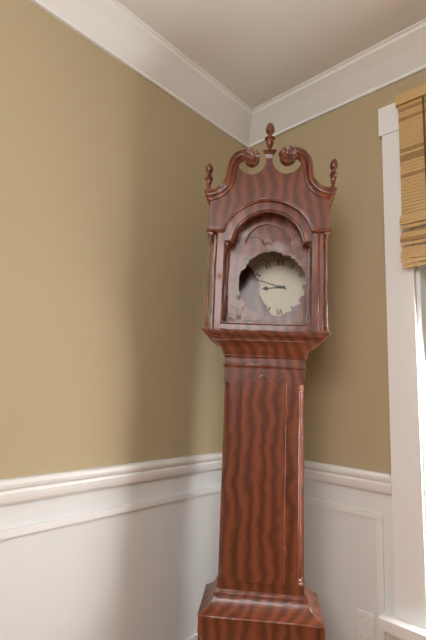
8.48
